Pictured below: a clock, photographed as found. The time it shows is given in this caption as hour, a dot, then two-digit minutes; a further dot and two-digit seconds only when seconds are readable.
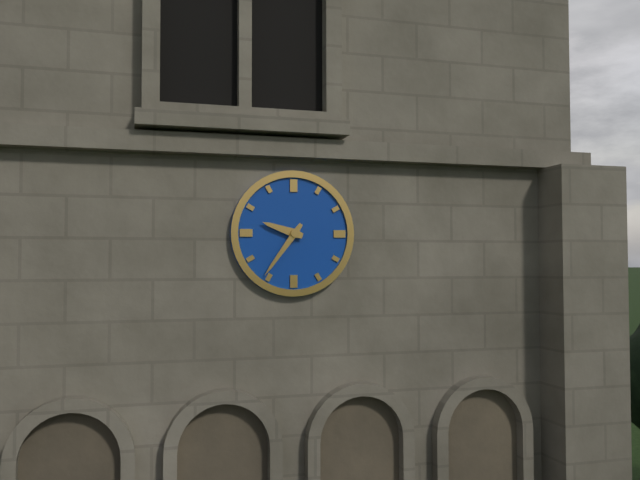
9.36
